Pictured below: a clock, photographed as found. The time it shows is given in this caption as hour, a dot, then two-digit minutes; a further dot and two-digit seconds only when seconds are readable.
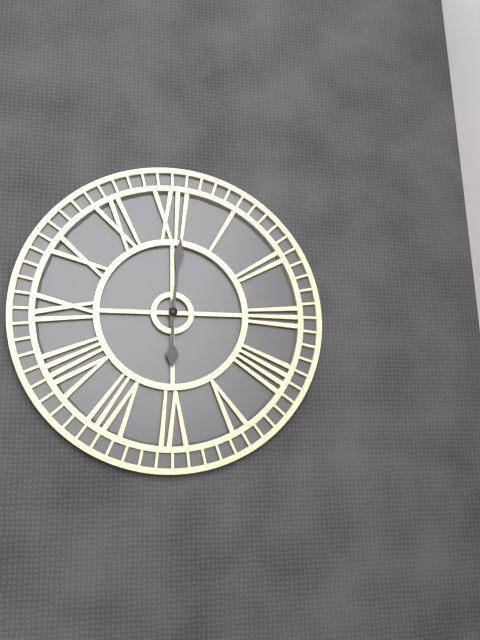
6.01
